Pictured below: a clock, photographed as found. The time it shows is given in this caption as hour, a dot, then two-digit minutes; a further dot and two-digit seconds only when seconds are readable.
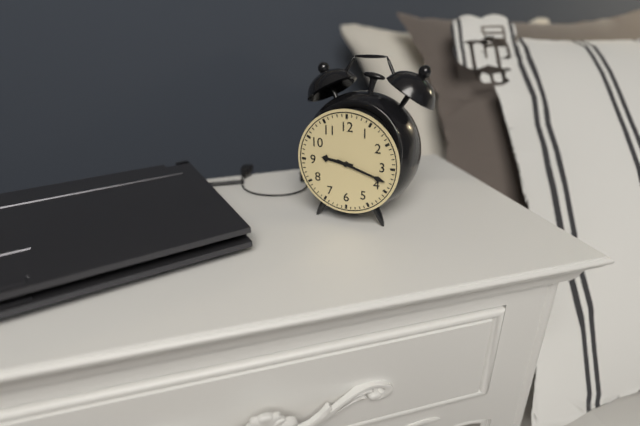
9.18
